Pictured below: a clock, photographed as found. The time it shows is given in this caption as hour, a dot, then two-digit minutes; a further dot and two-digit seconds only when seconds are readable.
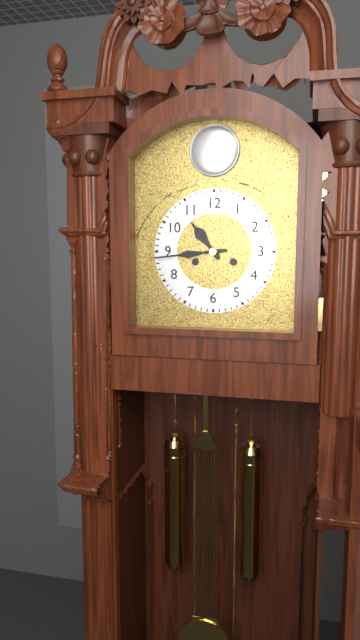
10.44
